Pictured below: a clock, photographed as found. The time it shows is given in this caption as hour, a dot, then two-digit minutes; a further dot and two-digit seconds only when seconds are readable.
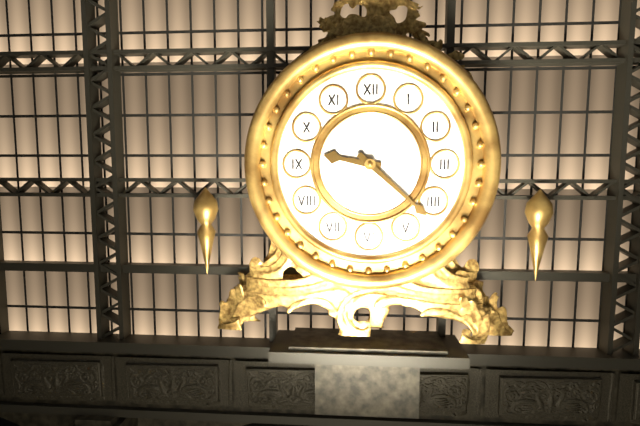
9.22
